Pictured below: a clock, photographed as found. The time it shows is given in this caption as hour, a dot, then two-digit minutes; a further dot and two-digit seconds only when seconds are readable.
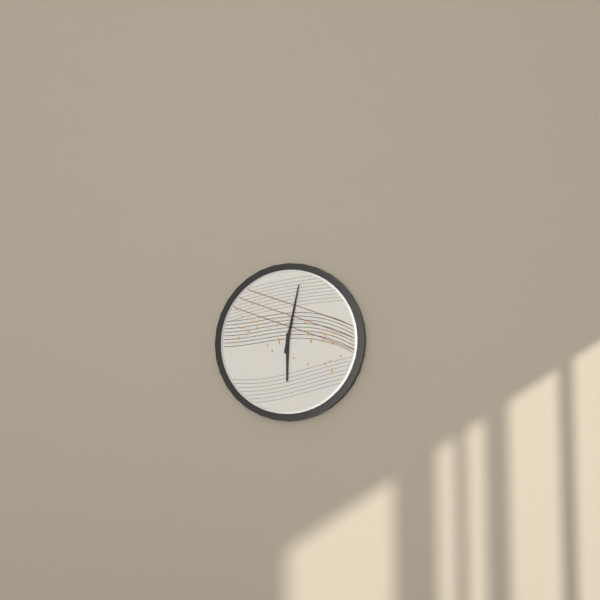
6.02
